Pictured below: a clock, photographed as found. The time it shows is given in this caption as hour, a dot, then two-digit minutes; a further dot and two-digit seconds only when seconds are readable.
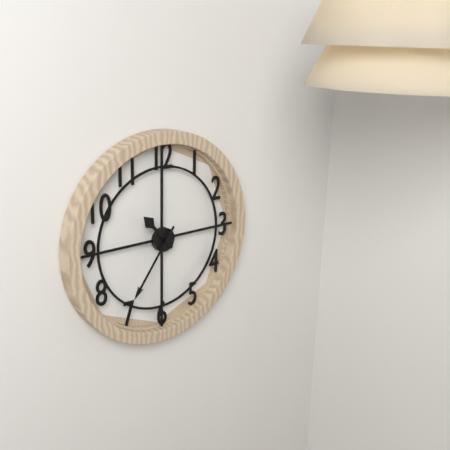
10.36
